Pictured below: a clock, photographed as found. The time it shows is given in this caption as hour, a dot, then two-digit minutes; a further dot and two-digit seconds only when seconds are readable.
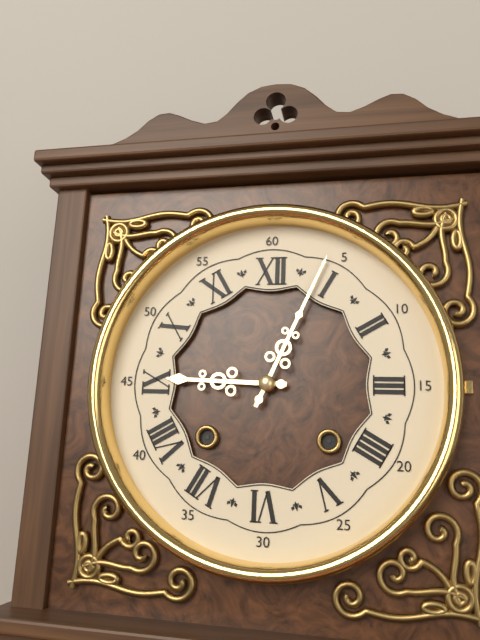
9.04
